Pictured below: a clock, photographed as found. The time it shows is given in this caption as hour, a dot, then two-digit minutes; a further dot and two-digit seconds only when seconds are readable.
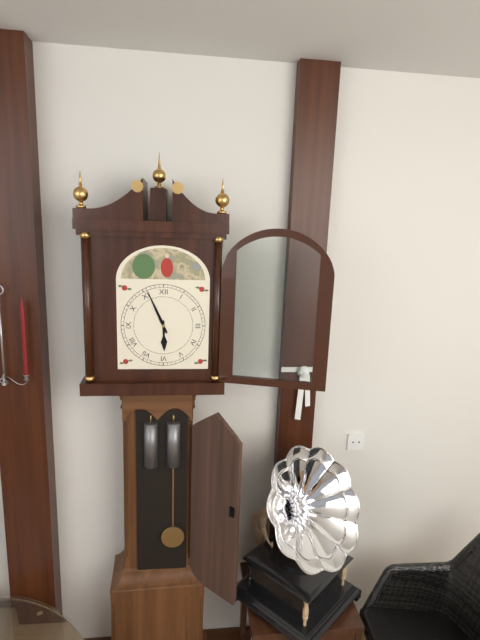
5.56
